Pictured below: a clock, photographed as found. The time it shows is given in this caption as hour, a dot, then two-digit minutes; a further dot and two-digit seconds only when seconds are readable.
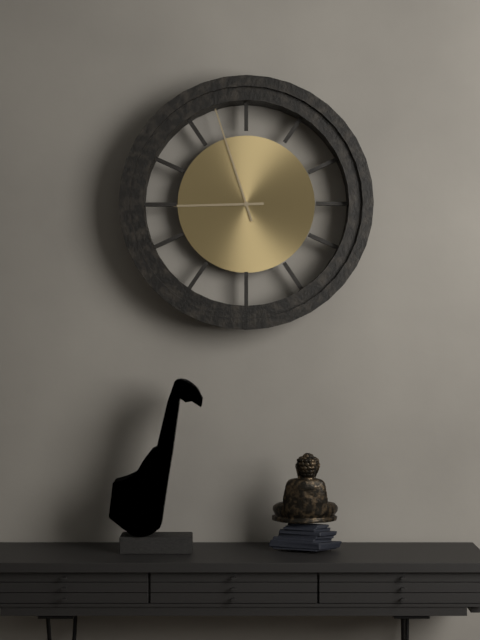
8.57
